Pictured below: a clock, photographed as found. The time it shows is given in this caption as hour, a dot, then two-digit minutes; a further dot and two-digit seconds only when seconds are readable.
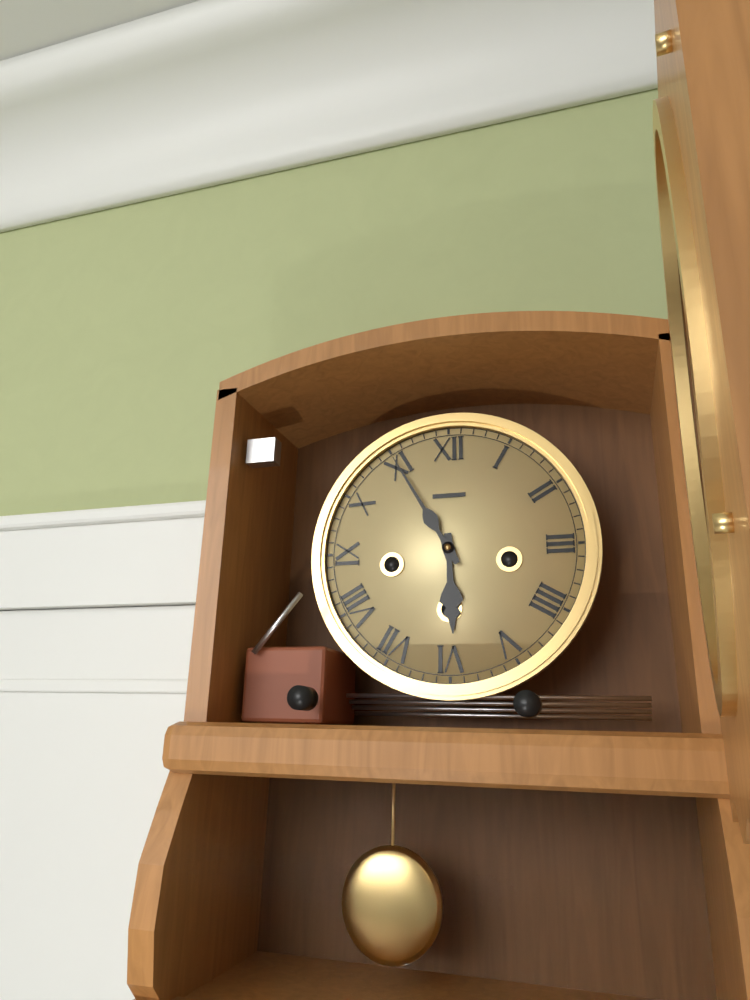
5.55
